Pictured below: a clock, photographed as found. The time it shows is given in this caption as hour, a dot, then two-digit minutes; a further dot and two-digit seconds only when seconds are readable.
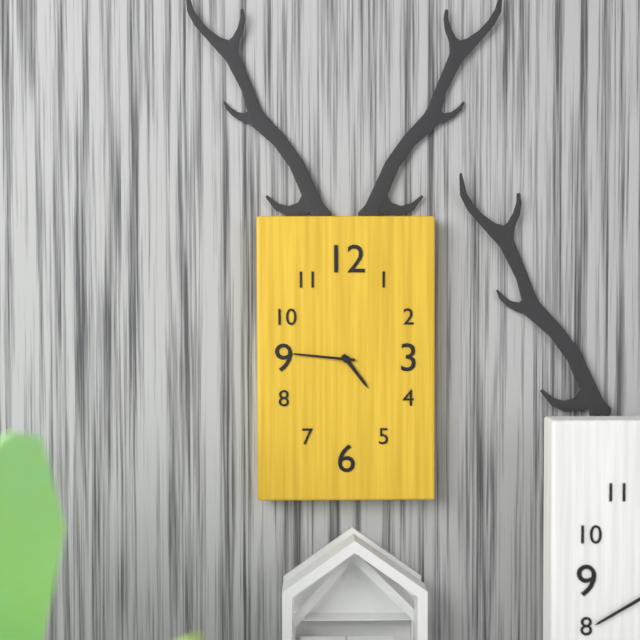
4.46
